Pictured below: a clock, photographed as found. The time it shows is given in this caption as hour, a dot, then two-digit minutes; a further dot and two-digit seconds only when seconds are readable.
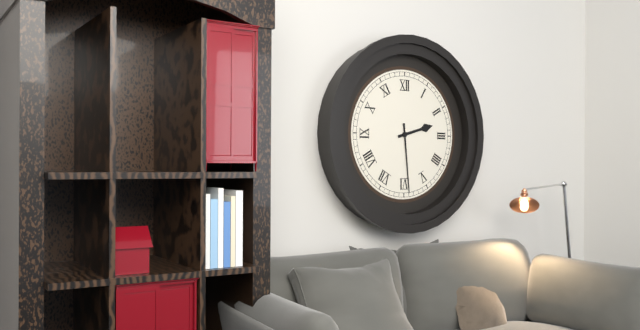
2.29
